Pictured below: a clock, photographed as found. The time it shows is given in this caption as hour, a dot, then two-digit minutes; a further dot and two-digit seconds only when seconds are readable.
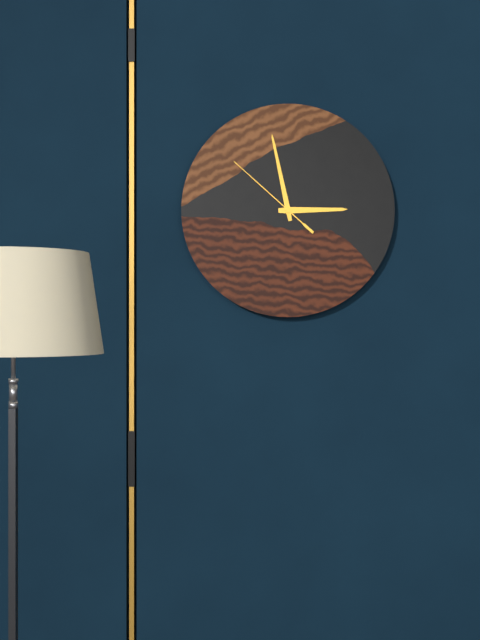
2.58.52
